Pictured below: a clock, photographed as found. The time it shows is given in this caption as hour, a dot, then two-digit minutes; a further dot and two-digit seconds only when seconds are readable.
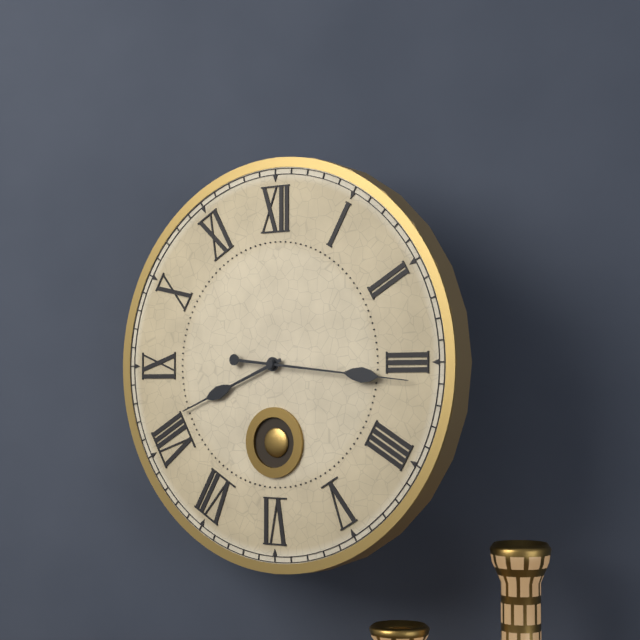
8.16
